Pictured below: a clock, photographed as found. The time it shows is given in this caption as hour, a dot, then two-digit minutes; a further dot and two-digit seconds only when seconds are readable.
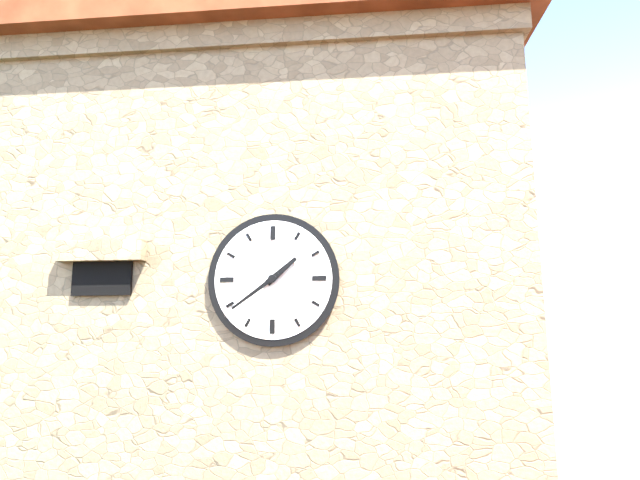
1.39
